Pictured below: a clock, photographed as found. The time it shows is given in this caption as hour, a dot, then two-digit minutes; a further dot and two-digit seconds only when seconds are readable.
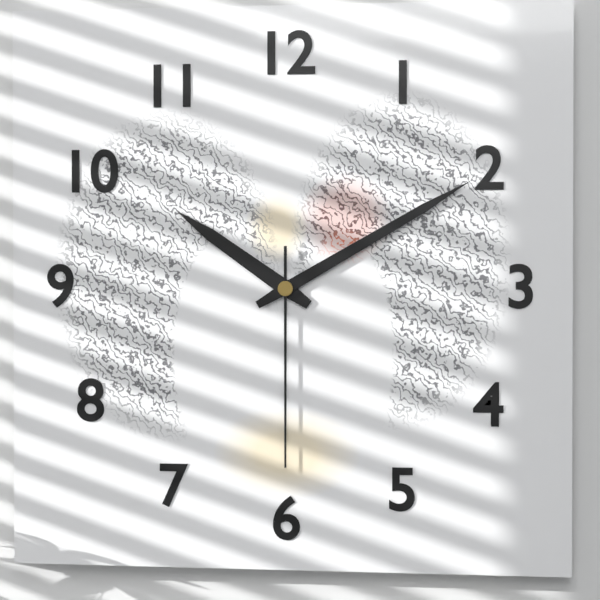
10.10.30
